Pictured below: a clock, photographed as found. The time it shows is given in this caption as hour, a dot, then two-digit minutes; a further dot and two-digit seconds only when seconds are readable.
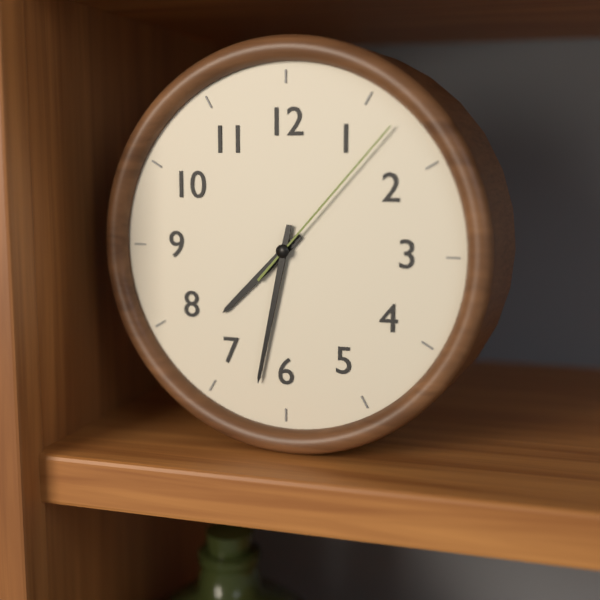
7.32.07
